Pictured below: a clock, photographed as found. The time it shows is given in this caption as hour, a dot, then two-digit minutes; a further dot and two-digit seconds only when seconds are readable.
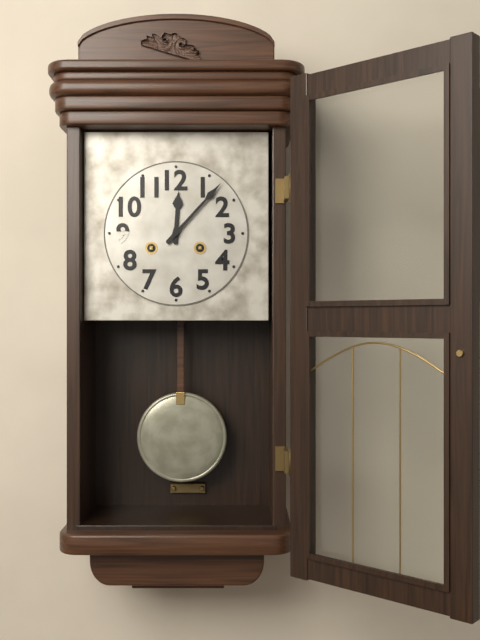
12.07
